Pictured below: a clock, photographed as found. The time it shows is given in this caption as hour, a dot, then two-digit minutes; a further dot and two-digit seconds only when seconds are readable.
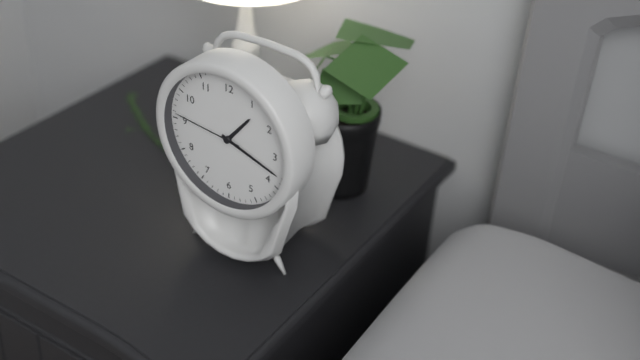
1.18.46
